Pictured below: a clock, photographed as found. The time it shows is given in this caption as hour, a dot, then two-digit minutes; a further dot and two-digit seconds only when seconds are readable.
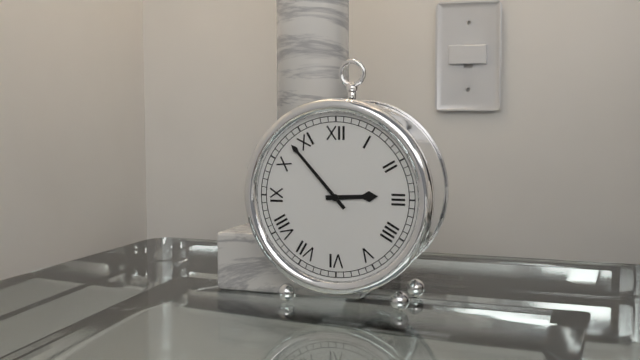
2.53
